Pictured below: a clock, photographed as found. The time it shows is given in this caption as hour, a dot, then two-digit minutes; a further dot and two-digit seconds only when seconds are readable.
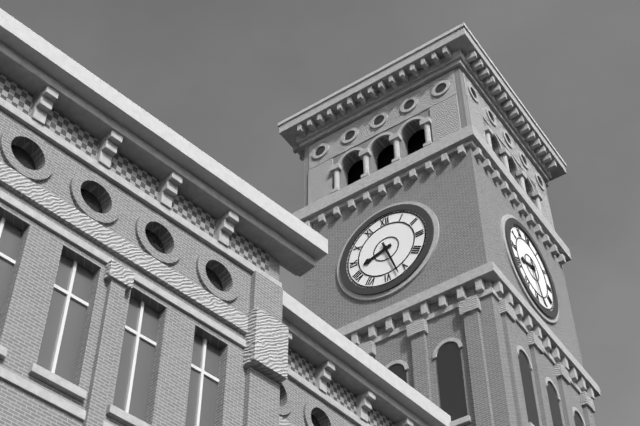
8.27
